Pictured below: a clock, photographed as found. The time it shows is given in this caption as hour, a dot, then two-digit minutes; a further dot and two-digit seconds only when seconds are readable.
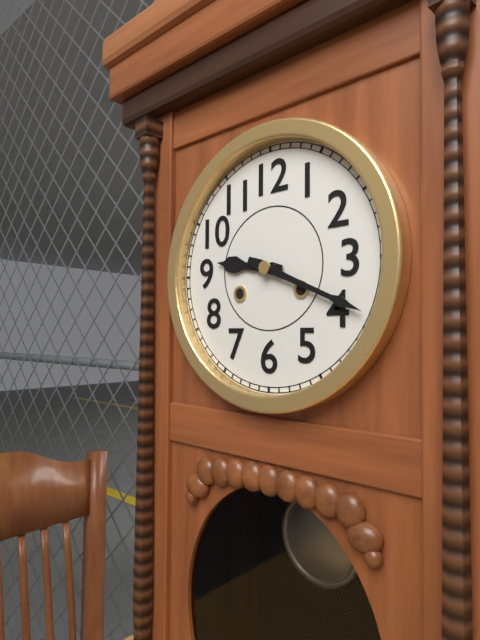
9.19
